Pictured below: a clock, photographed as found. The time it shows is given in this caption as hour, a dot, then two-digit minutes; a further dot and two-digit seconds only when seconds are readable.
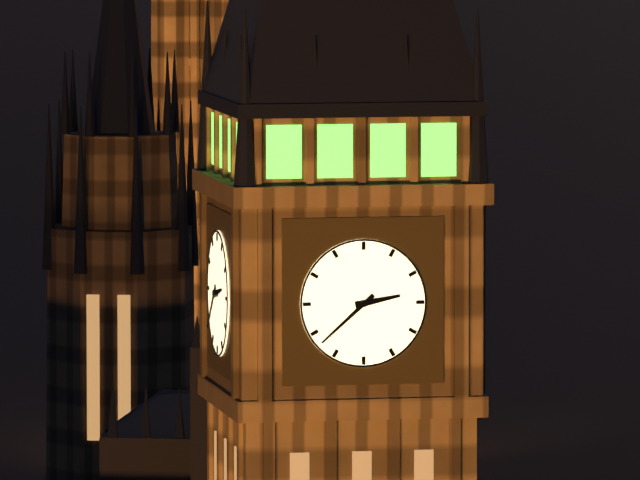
2.38
